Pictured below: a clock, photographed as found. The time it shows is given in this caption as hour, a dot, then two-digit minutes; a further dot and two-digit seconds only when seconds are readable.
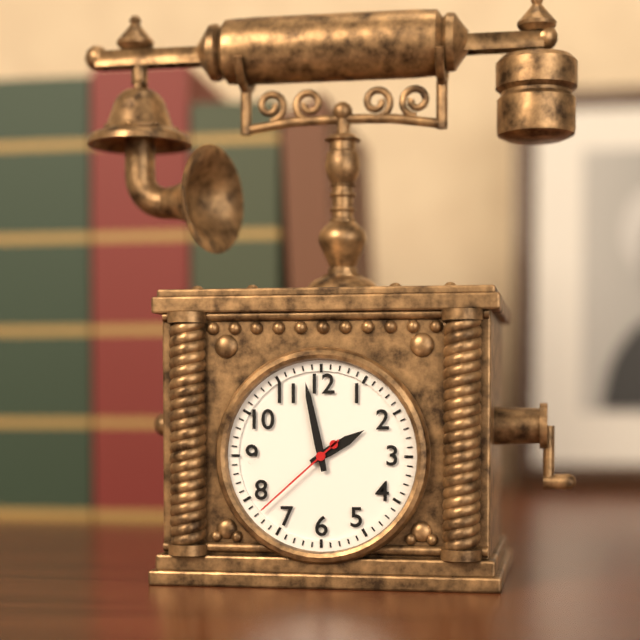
1.58.38
